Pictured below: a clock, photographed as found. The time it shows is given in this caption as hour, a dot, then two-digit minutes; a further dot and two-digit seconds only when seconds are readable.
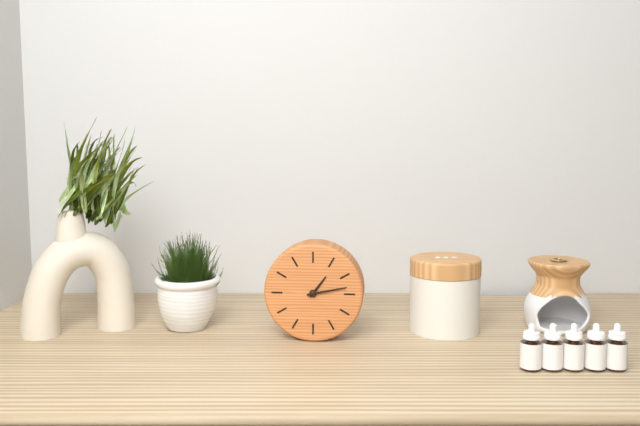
1.13
